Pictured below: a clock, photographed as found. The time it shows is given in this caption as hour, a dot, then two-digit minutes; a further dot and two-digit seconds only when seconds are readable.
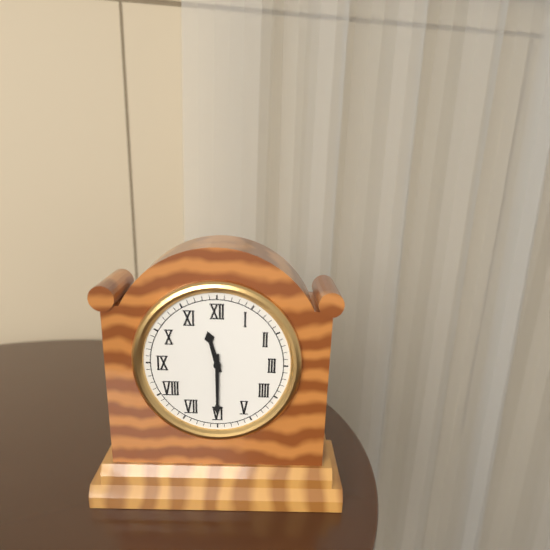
11.30
